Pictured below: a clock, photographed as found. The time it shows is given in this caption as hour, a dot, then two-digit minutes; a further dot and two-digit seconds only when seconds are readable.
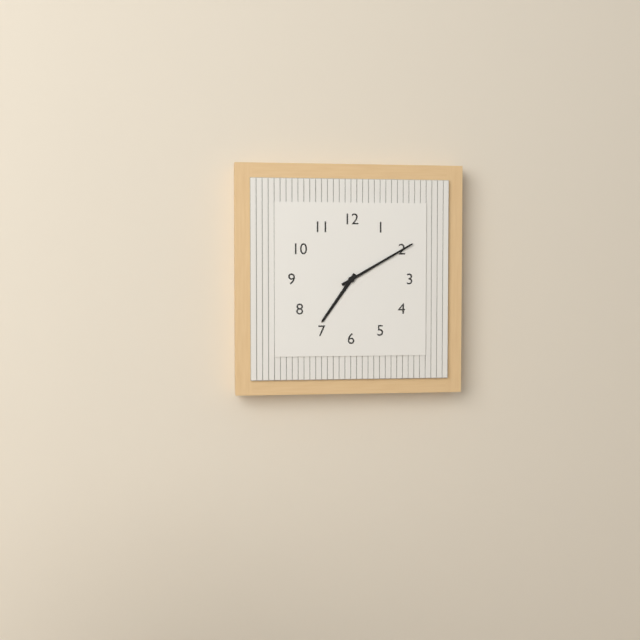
7.10
